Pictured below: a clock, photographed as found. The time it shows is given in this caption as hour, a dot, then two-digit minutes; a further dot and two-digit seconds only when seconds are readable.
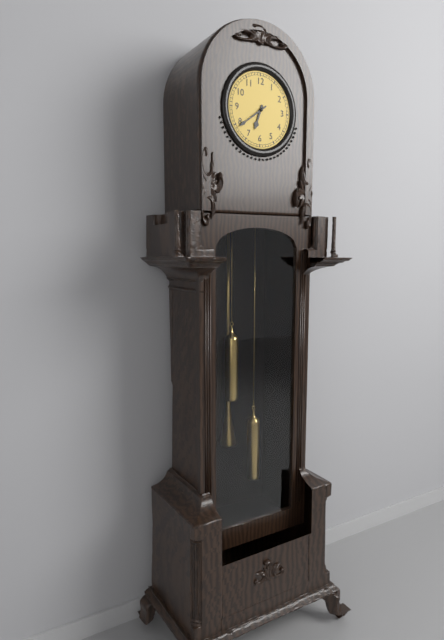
6.39
